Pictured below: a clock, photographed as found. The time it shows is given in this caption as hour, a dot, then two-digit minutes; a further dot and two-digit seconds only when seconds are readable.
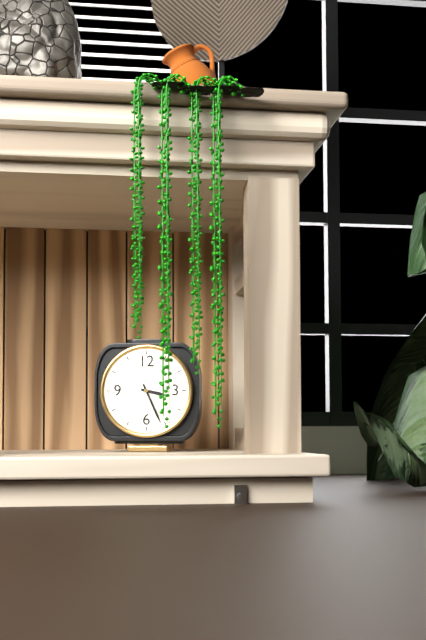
3.26
